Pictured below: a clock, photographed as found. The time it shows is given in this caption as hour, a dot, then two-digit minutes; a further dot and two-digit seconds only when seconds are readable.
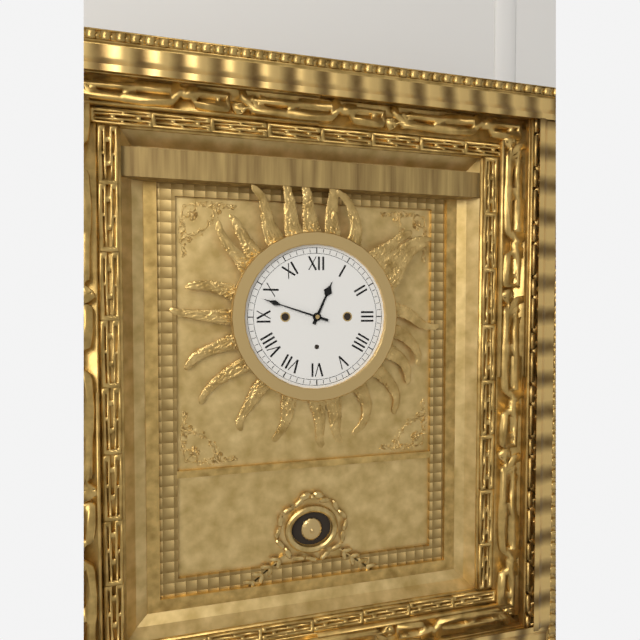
12.48
